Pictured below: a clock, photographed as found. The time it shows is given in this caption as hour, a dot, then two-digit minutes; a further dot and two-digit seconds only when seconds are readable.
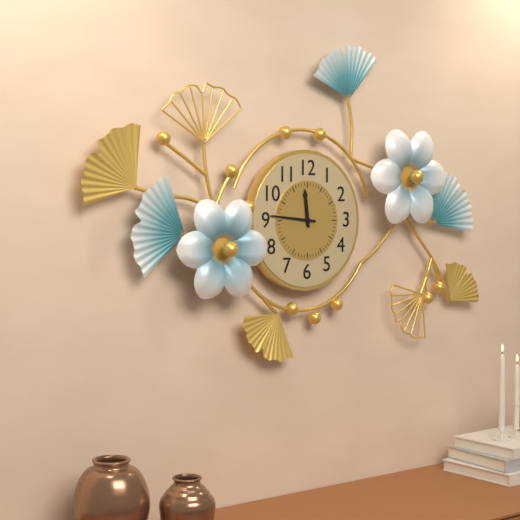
11.46
